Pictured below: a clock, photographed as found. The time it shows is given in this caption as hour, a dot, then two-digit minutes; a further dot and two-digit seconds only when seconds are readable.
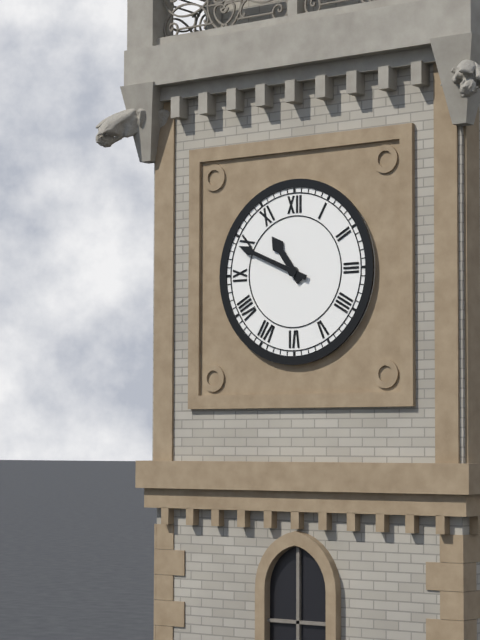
10.49
